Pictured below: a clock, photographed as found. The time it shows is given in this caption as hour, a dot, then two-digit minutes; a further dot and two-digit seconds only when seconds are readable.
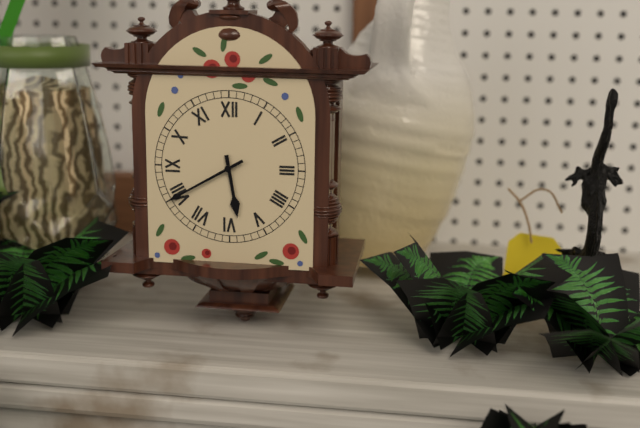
5.40
